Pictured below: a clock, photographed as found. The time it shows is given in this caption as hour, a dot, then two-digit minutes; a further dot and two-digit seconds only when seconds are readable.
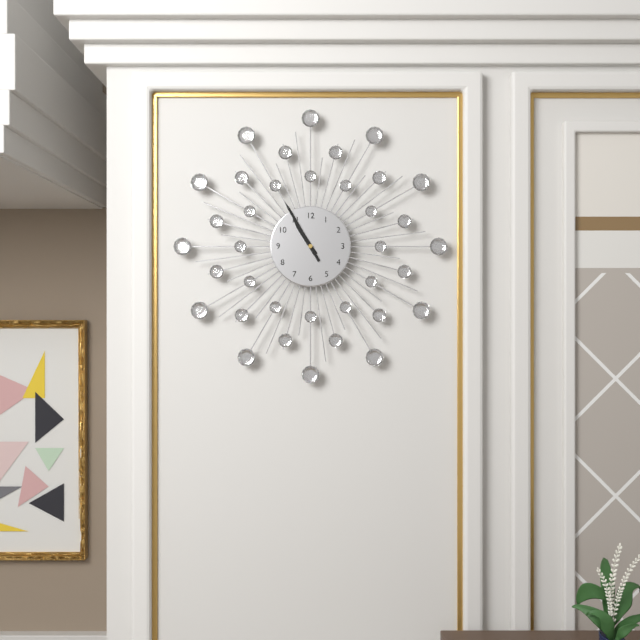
10.55
